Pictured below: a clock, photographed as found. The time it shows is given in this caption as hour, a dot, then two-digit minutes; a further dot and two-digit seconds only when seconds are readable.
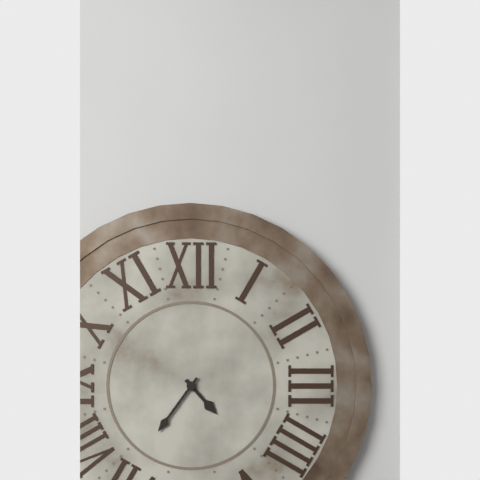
4.36
